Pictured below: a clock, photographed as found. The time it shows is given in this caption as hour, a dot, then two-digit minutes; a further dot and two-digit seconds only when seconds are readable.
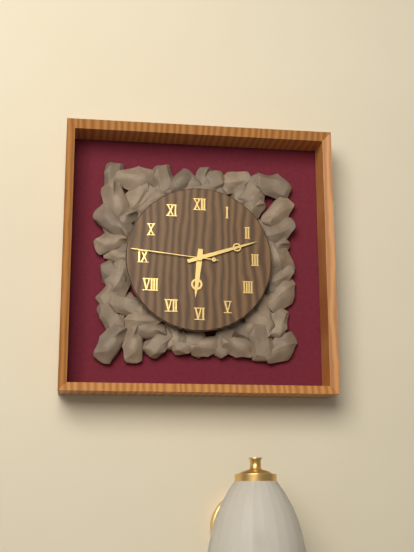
6.12.46
